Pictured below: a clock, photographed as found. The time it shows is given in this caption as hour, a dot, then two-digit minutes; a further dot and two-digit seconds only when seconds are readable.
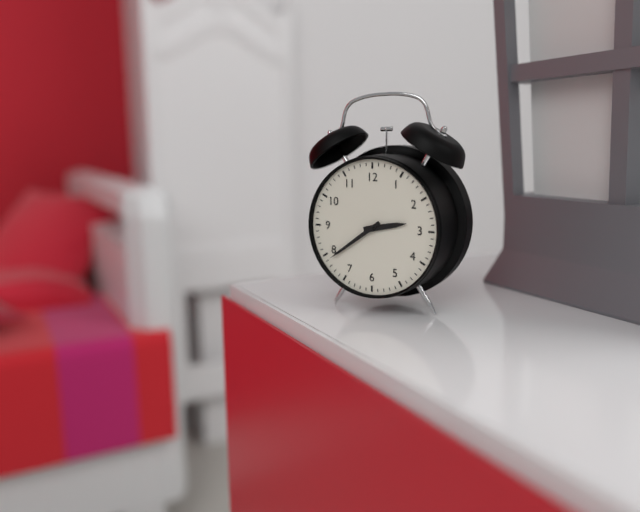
2.39
